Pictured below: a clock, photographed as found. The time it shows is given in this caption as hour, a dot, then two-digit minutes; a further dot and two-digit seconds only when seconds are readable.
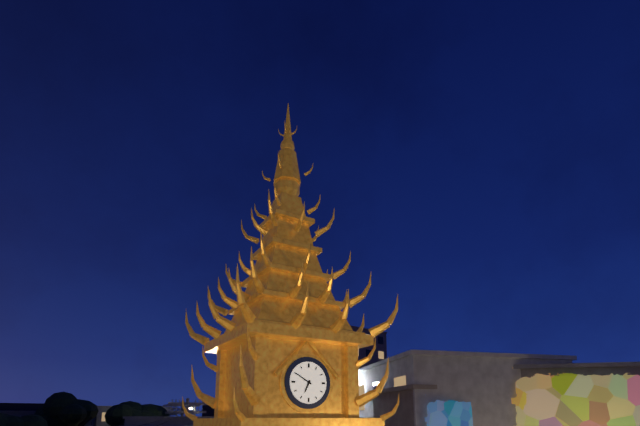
6.50
